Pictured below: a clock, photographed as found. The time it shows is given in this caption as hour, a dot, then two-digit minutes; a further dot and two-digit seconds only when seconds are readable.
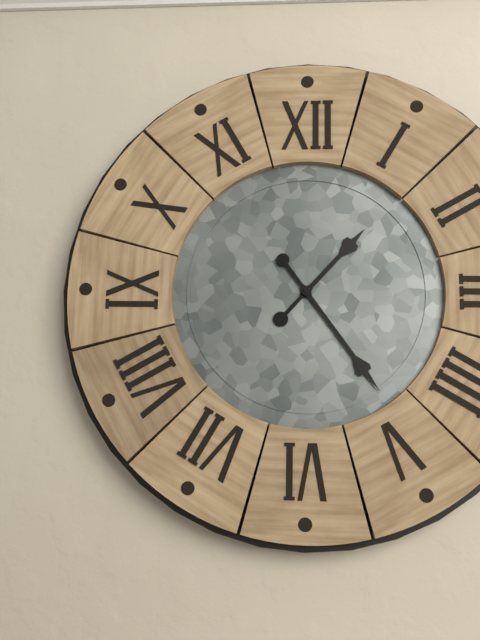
1.24
